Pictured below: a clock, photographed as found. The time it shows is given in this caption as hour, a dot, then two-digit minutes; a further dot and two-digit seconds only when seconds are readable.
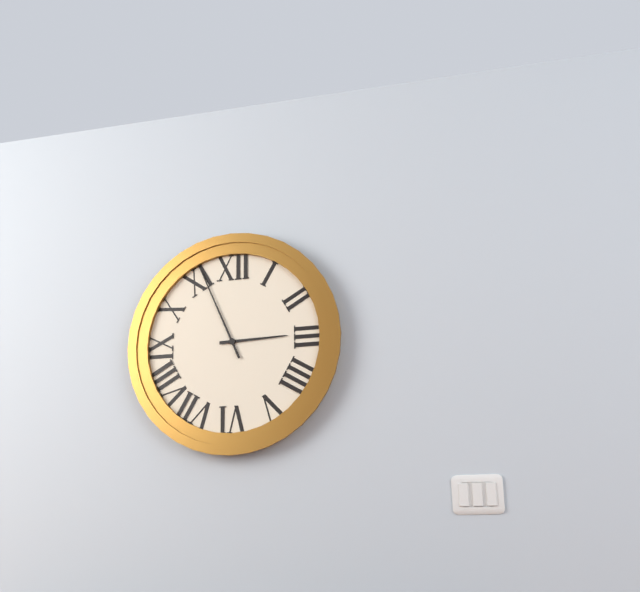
2.56
